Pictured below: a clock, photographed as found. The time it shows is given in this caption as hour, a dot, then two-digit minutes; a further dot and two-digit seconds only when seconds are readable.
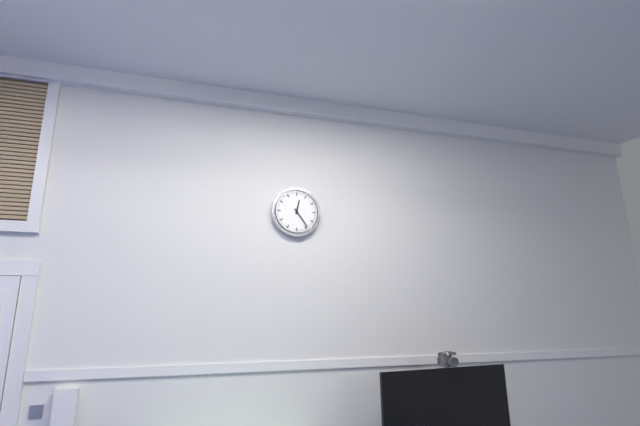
12.24
